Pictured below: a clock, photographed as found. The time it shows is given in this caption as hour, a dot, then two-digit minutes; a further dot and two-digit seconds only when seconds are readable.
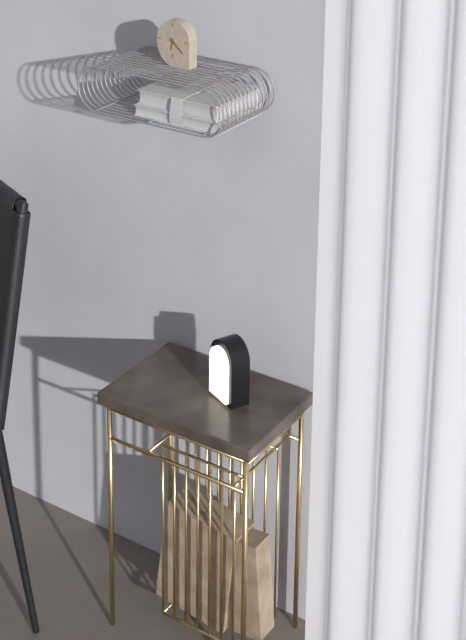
6.22
